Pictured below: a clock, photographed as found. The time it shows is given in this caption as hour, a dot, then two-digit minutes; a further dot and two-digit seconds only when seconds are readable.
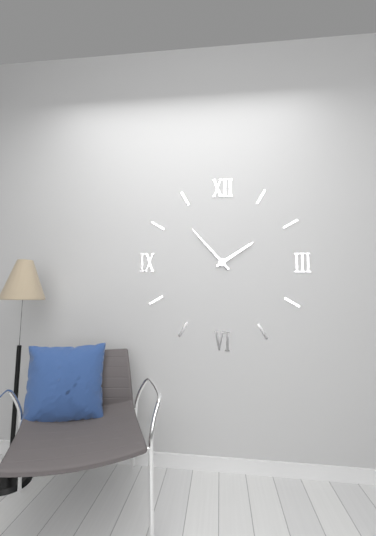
1.53
